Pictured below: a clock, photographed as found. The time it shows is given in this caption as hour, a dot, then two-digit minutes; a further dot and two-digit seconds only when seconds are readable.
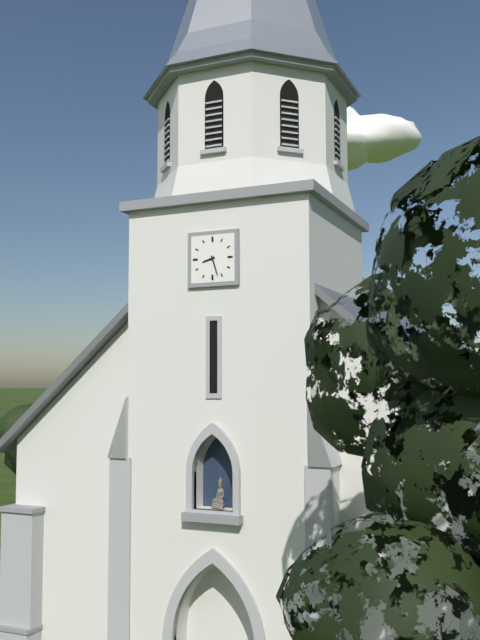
8.27
